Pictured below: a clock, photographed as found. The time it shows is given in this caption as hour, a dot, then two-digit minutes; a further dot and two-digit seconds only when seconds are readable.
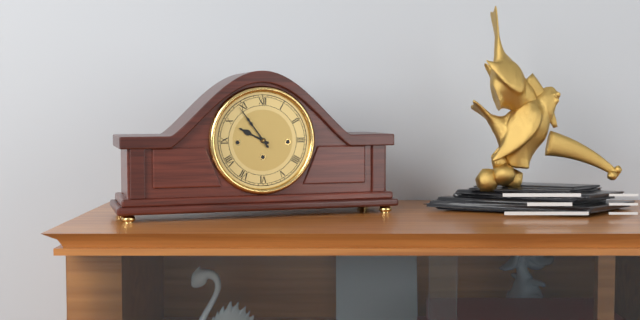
9.54
